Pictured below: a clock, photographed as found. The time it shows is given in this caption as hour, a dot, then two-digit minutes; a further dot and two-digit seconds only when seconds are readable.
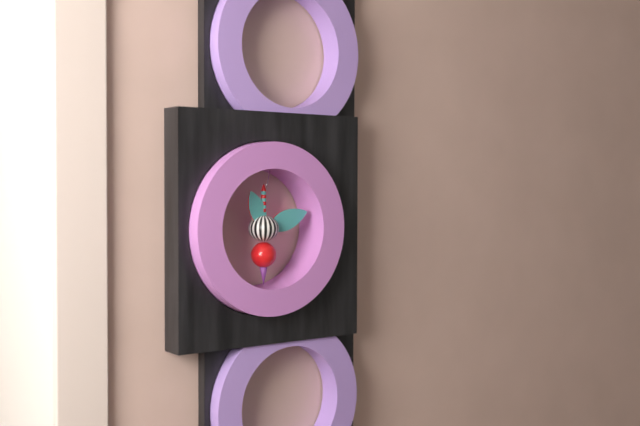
11.12
